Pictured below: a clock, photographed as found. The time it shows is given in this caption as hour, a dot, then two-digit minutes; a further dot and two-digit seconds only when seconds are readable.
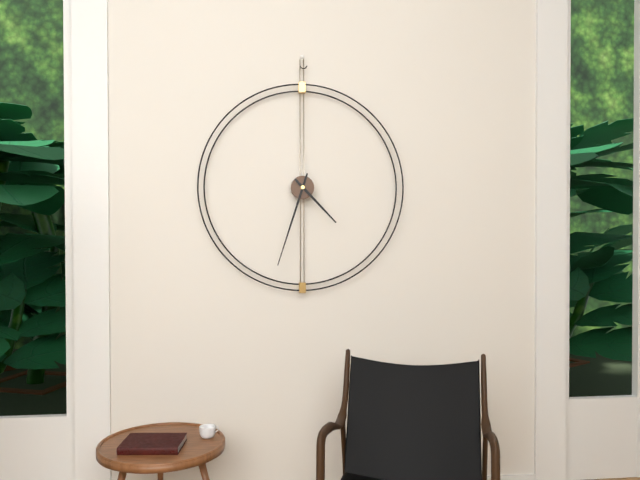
4.33
